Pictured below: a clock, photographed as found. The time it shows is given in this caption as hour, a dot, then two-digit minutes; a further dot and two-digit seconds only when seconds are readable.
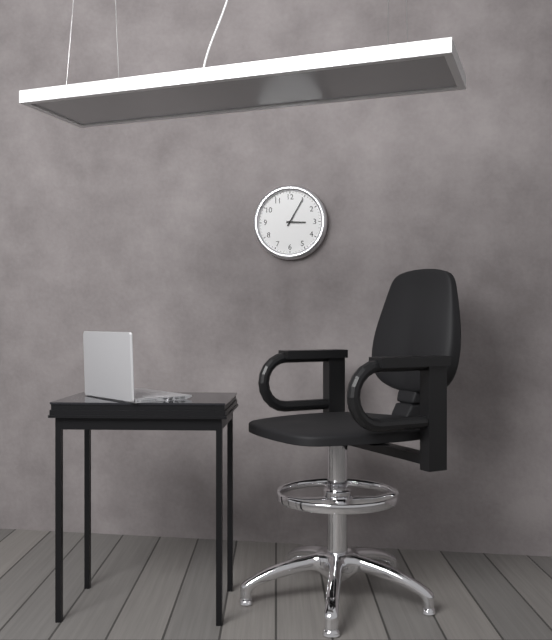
3.05
